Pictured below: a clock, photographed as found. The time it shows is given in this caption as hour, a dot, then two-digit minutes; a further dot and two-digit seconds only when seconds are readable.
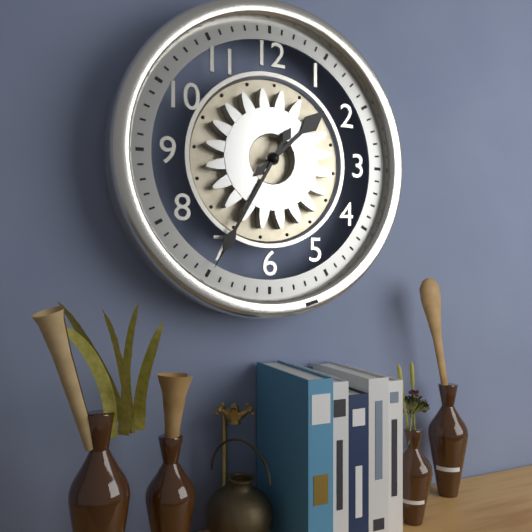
1.35
